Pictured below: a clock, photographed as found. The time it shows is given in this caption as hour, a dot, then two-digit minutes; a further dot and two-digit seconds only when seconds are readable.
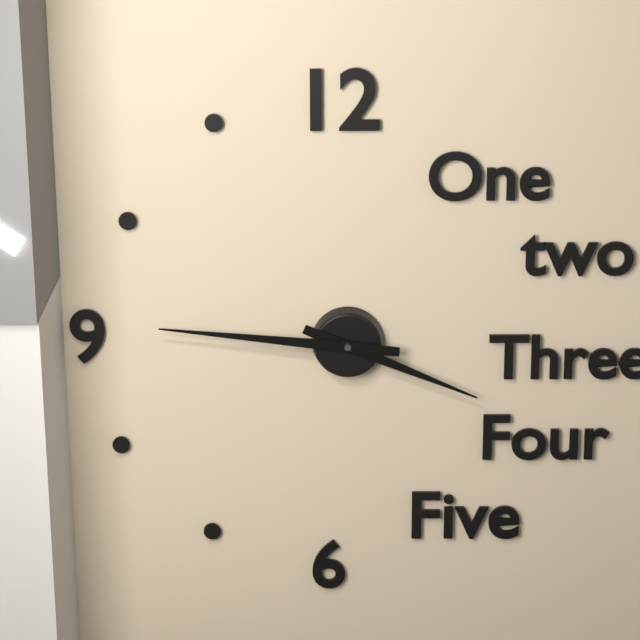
3.46
